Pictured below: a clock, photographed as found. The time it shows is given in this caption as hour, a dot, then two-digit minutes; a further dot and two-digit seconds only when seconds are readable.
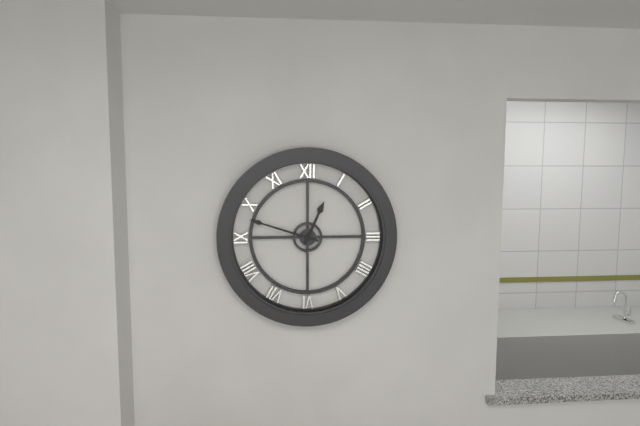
12.48
